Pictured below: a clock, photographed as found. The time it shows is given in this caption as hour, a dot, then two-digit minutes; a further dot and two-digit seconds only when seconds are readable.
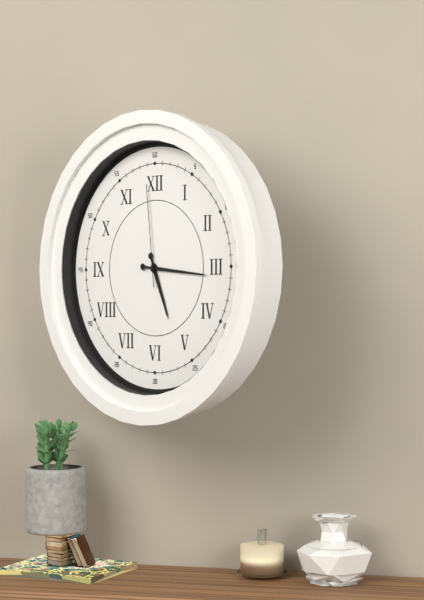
5.16.59
